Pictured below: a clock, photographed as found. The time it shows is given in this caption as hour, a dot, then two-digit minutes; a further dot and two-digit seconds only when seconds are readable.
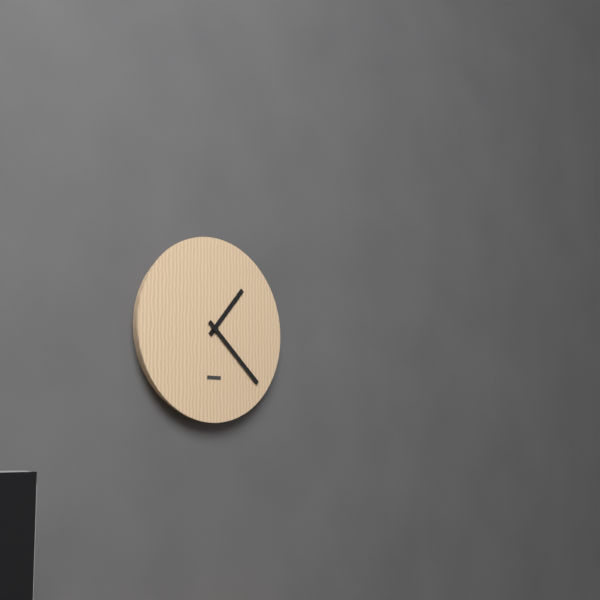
1.22
